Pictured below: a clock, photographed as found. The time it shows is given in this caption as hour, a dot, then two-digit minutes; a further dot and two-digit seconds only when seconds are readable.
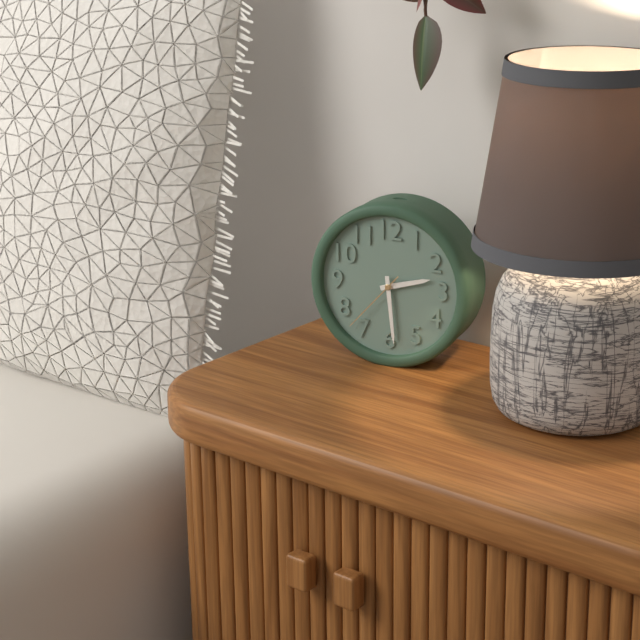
2.29.37
